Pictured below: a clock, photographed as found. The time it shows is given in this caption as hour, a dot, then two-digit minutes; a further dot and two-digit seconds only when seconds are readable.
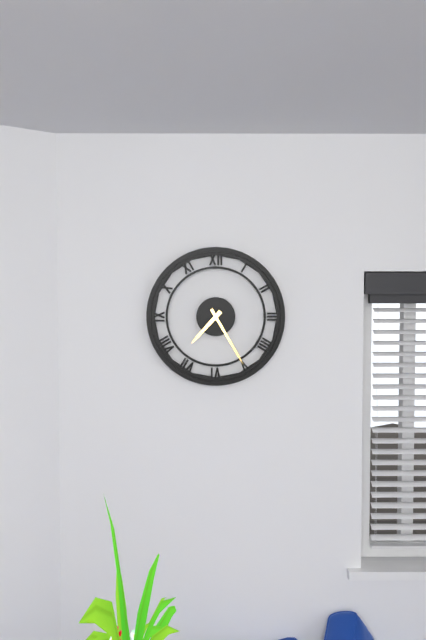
7.25
